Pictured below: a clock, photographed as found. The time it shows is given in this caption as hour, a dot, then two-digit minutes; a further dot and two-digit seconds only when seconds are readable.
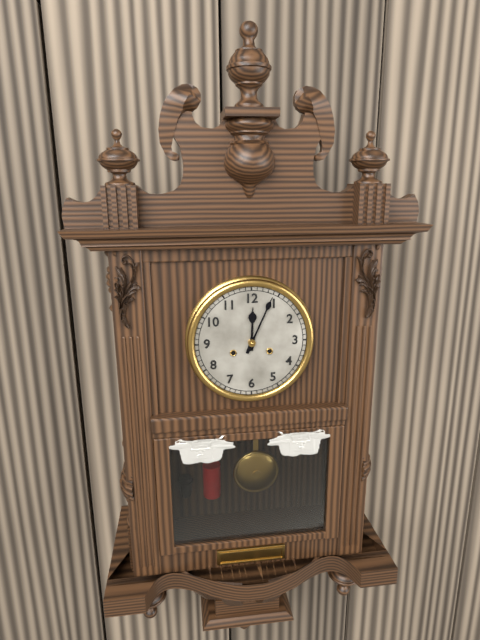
12.04
